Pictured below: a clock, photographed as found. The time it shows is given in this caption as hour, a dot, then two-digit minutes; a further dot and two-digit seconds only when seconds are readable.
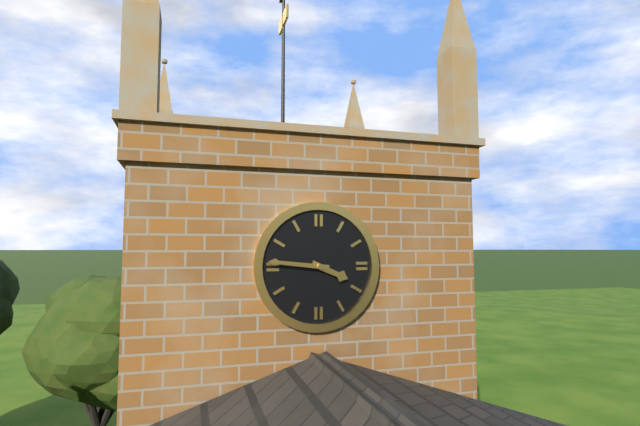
3.46
